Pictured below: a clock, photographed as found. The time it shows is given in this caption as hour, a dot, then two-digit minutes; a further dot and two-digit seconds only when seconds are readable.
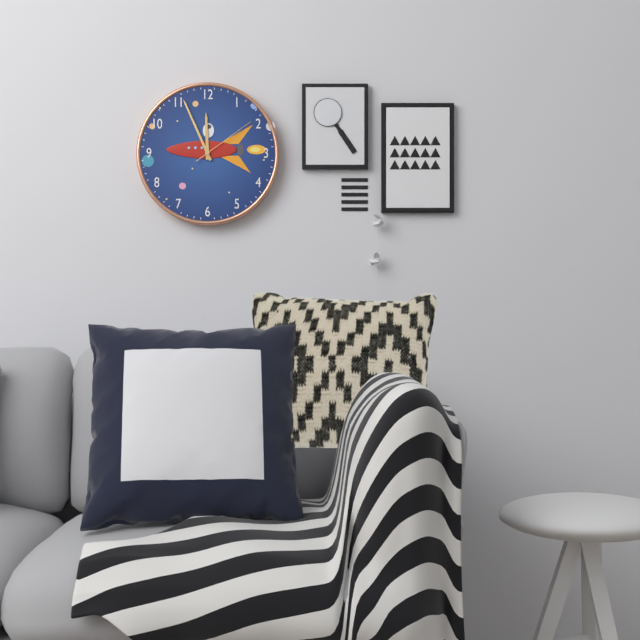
11.56.09
